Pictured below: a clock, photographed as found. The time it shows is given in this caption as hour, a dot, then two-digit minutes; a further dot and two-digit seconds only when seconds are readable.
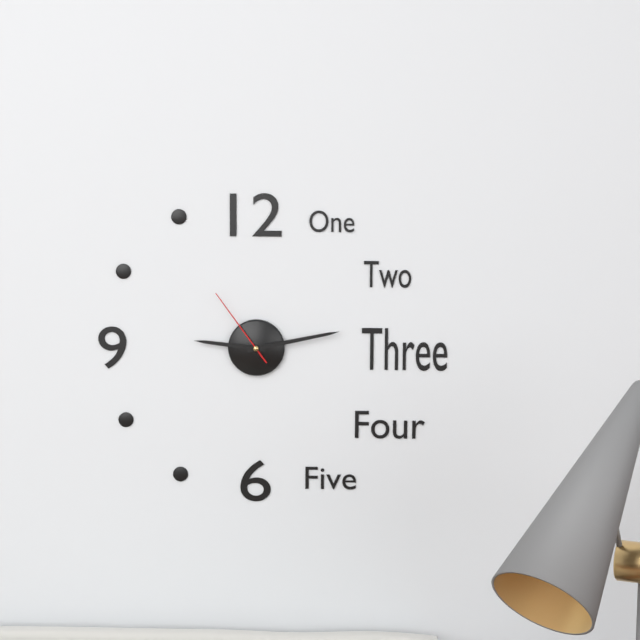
9.13.54
